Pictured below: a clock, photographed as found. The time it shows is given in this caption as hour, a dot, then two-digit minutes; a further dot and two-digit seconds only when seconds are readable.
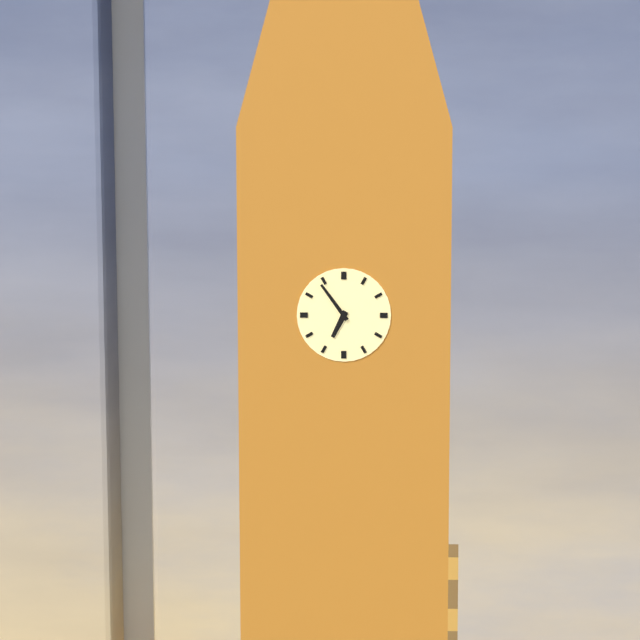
6.54
